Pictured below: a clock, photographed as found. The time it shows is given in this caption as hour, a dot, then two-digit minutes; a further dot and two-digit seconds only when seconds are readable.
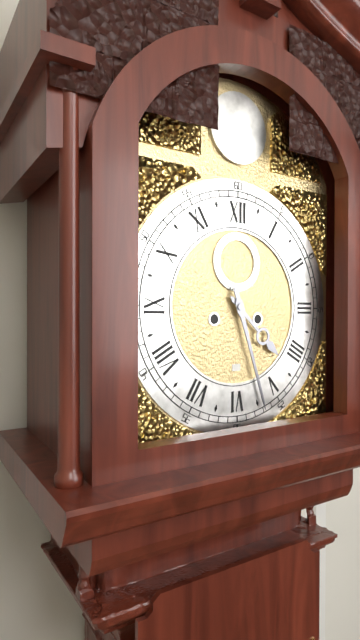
4.27
